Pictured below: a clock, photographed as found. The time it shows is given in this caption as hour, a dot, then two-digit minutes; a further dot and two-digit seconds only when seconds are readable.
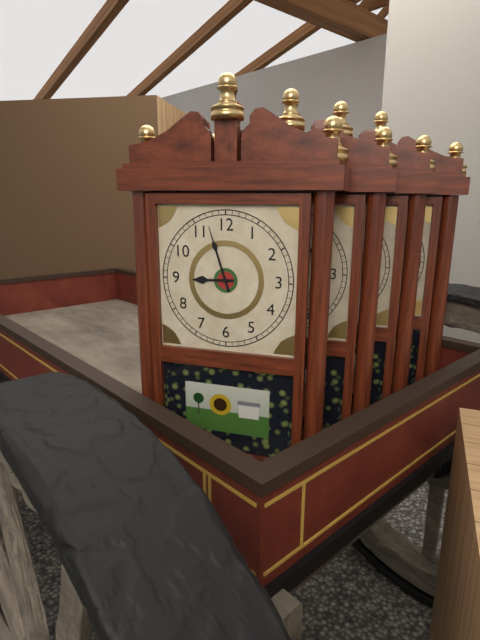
8.57
